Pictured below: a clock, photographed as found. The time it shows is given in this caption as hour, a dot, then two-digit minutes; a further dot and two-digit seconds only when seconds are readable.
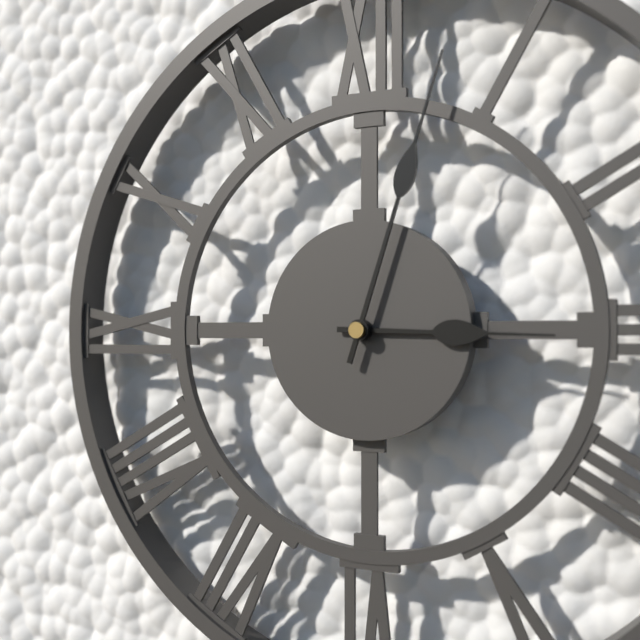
3.03
